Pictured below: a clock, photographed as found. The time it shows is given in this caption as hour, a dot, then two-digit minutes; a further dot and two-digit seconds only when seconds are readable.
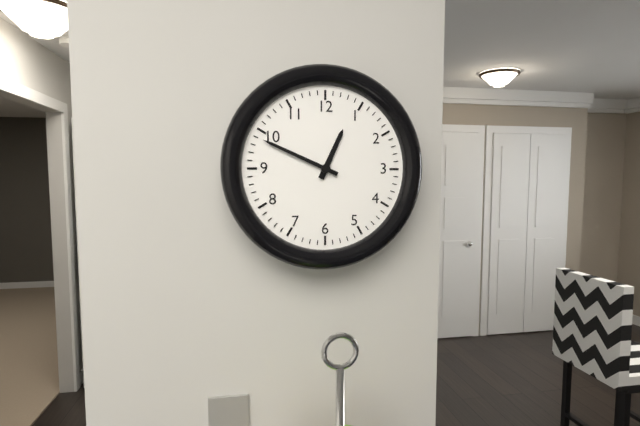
12.49
